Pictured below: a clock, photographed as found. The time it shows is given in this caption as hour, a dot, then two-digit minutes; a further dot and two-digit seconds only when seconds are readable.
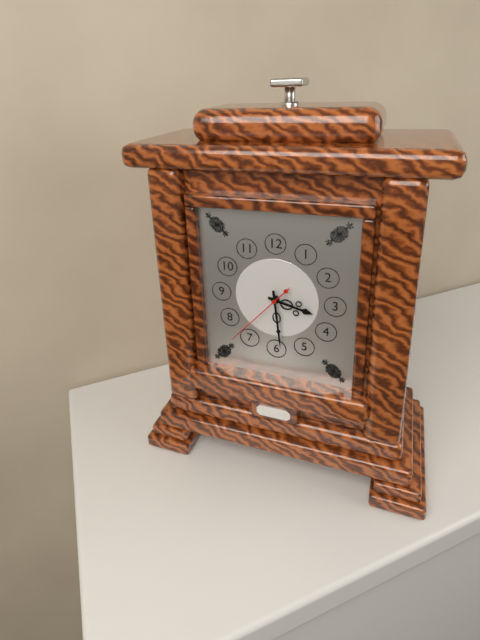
3.29.37
